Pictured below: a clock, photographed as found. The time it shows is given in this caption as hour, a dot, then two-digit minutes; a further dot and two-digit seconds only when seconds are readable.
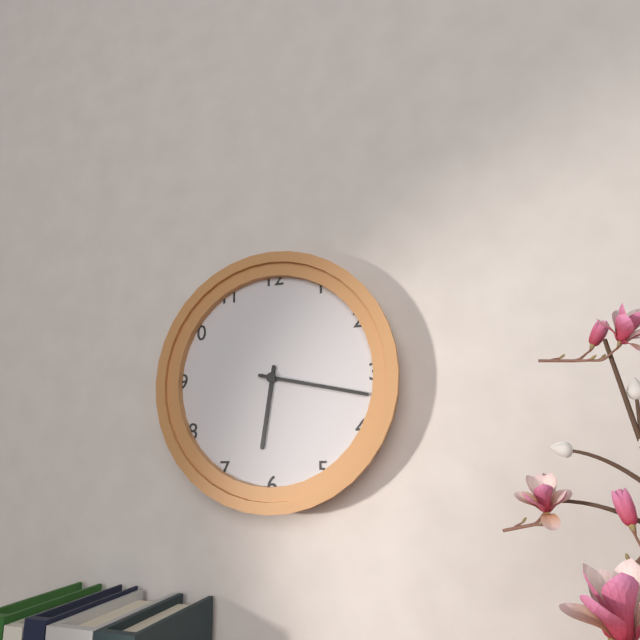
6.17
